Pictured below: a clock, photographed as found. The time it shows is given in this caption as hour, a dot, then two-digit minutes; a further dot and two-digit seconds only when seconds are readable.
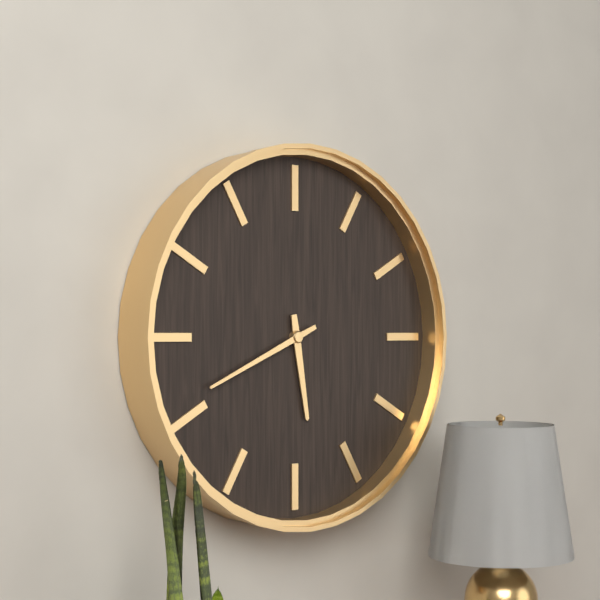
5.41
